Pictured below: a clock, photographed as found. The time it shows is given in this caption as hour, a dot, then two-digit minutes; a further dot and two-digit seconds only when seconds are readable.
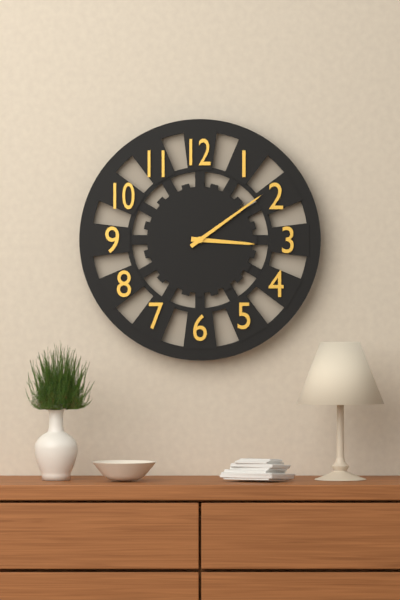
3.09
